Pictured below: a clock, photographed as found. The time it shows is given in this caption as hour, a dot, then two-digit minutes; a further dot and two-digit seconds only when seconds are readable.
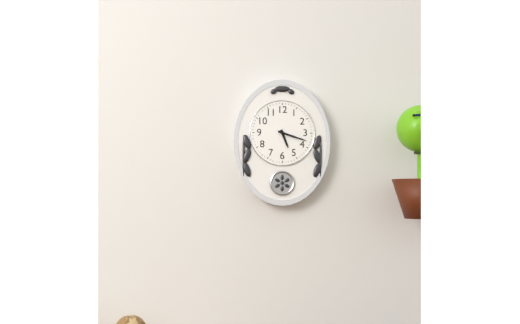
5.18
